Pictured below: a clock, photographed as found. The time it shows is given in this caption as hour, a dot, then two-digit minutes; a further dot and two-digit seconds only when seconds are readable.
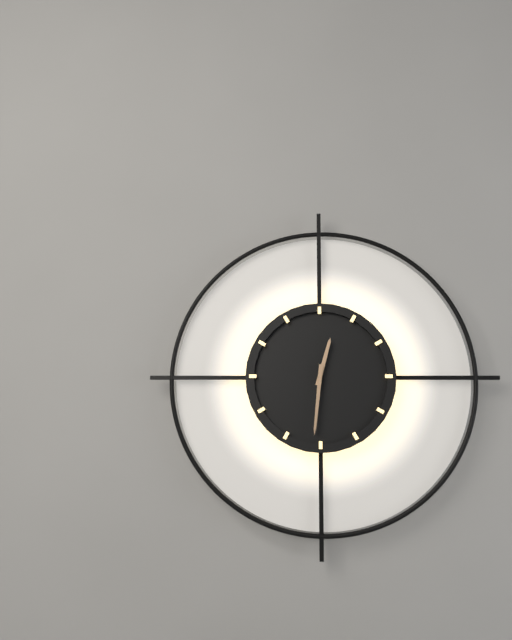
12.31
